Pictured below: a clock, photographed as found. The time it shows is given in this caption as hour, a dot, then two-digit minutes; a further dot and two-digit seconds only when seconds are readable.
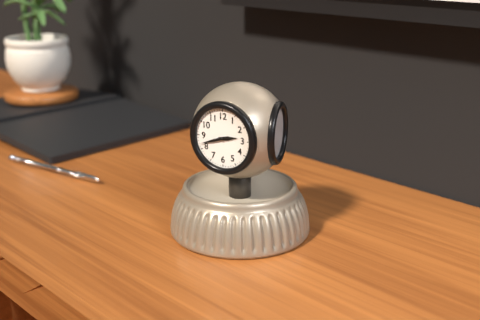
2.42
